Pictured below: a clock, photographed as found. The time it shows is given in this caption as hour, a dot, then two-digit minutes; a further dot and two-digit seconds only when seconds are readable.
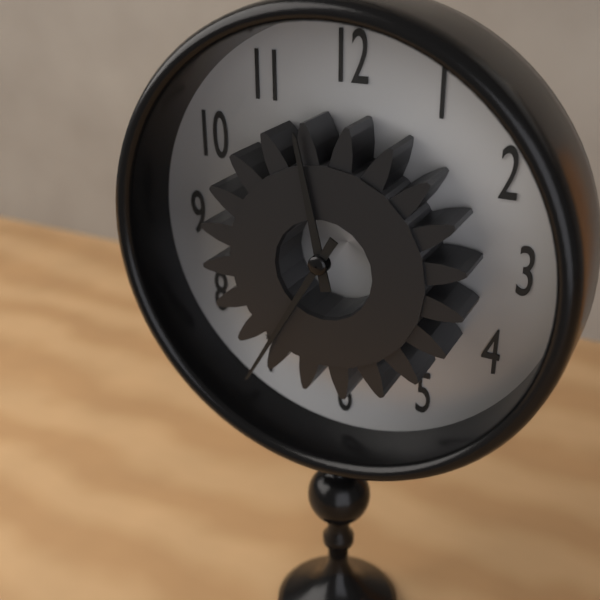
11.35
